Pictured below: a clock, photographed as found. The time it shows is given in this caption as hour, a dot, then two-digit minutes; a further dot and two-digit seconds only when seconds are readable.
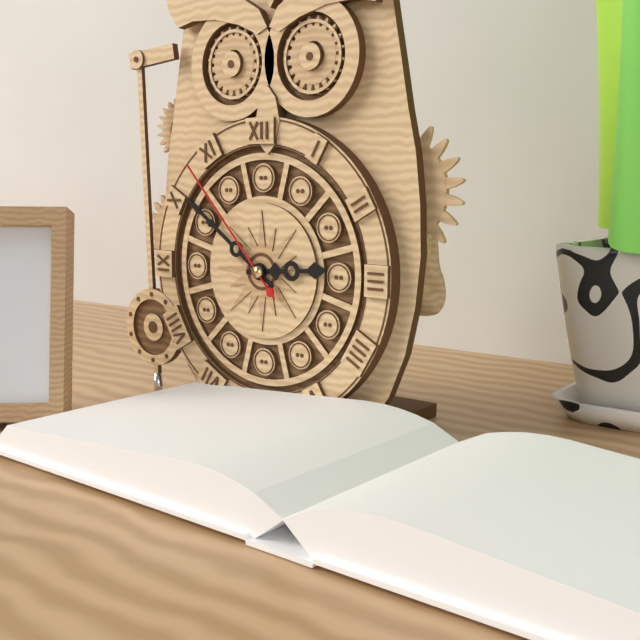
2.51.53
